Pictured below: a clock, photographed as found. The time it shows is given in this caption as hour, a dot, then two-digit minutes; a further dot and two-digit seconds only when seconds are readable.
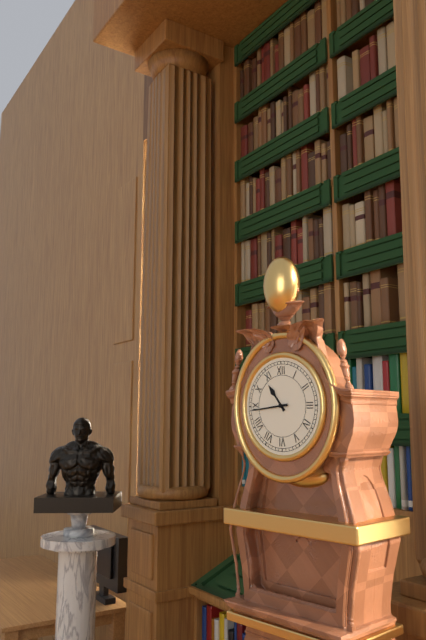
10.44
